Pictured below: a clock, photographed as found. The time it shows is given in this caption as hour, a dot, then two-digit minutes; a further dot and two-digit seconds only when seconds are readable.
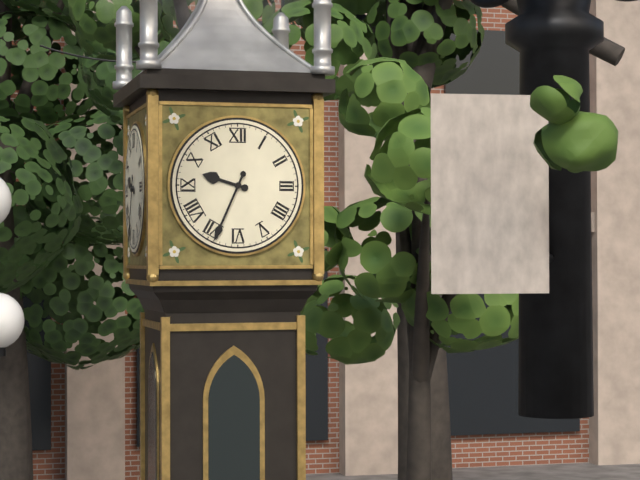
9.34
